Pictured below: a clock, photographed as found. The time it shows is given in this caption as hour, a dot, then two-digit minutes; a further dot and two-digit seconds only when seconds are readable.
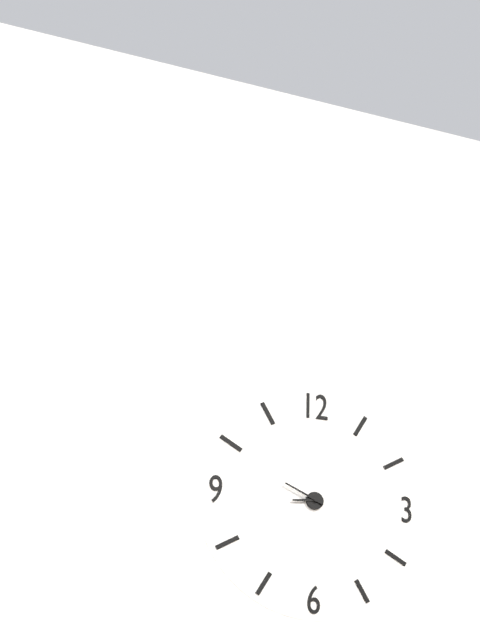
8.49
